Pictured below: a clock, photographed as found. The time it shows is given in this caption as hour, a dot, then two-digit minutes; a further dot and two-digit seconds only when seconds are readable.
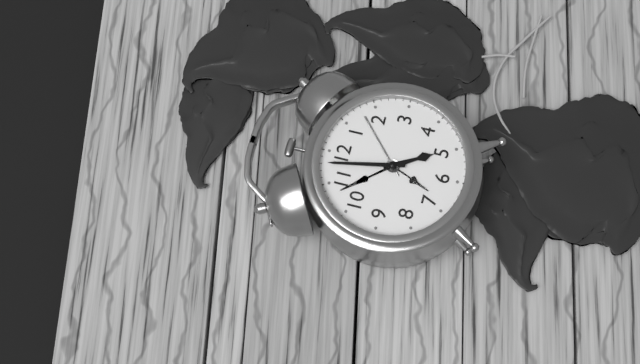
4.58
